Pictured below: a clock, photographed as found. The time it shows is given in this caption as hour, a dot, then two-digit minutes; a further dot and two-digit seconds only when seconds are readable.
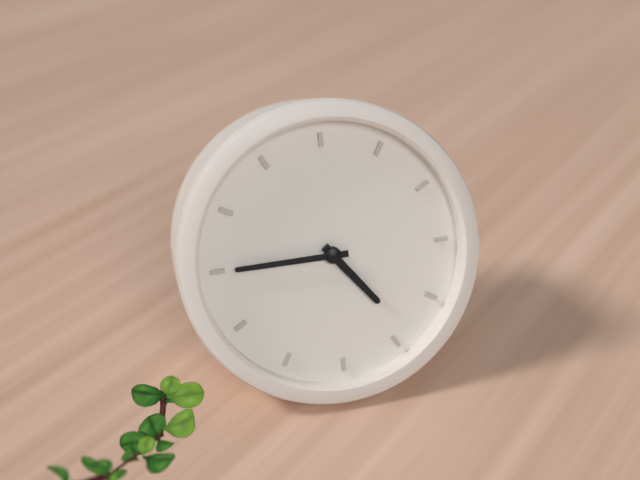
4.45
